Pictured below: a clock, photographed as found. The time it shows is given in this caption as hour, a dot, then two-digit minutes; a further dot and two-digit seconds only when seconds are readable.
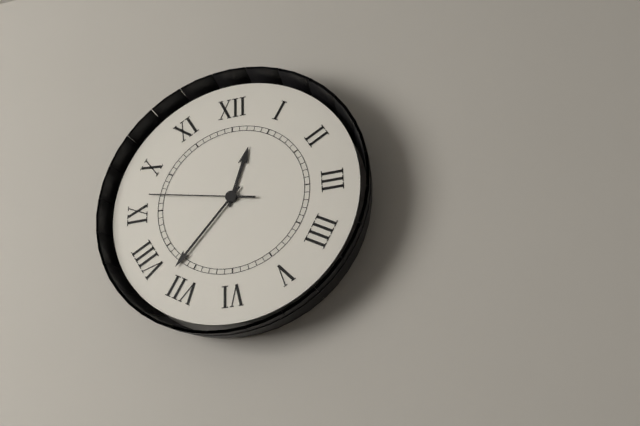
12.37.47
